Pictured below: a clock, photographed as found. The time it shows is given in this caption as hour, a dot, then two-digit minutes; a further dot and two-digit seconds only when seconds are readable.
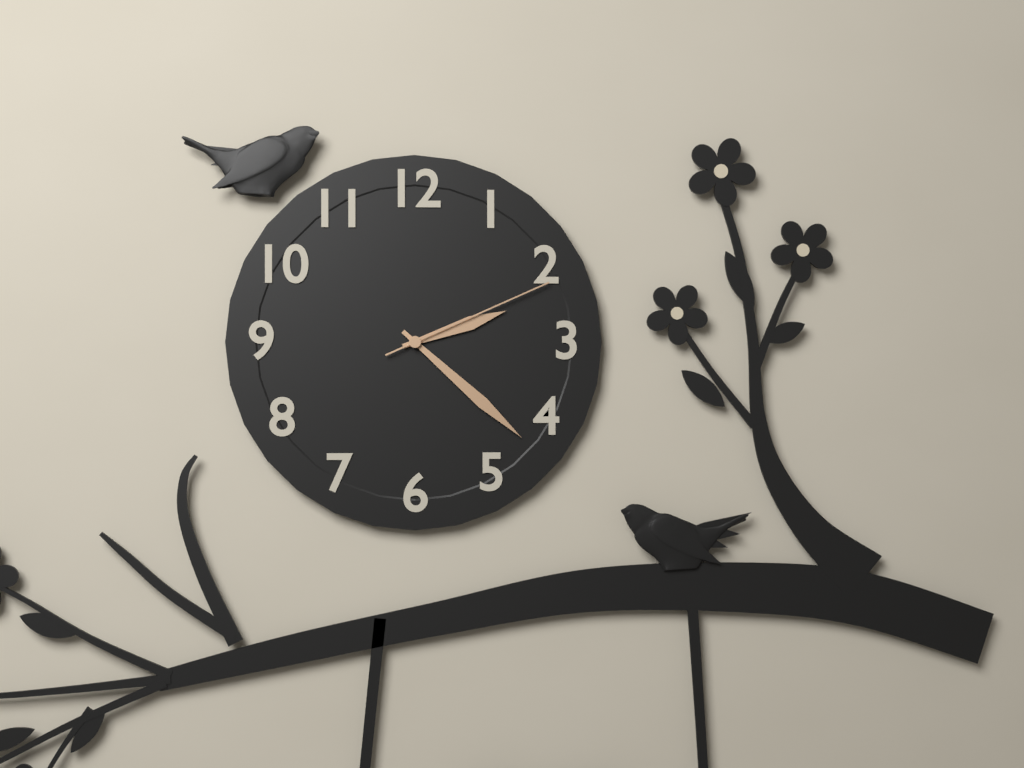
2.22.11
